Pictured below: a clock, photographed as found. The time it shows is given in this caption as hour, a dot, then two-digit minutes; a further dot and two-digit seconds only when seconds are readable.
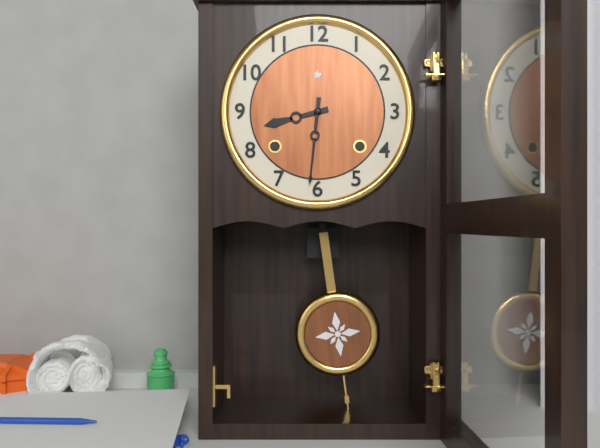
8.31
